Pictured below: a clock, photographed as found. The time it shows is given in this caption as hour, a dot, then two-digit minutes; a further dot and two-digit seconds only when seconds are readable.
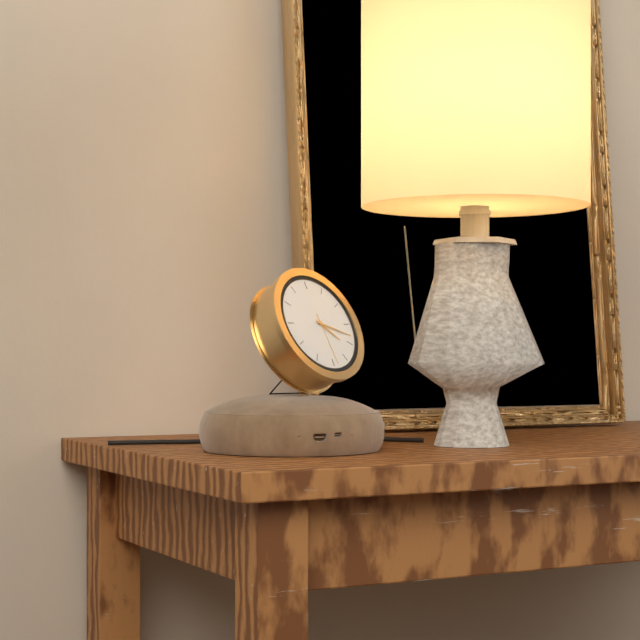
4.18.29
